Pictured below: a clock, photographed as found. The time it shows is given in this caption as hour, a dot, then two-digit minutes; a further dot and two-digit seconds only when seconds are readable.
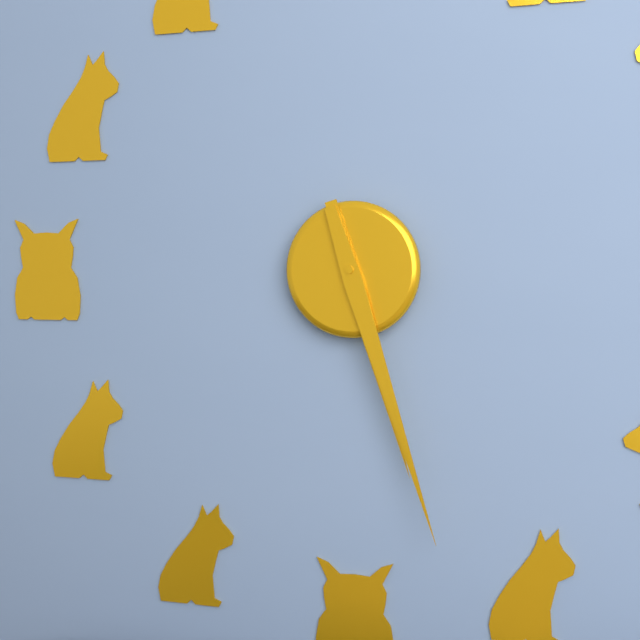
5.27
